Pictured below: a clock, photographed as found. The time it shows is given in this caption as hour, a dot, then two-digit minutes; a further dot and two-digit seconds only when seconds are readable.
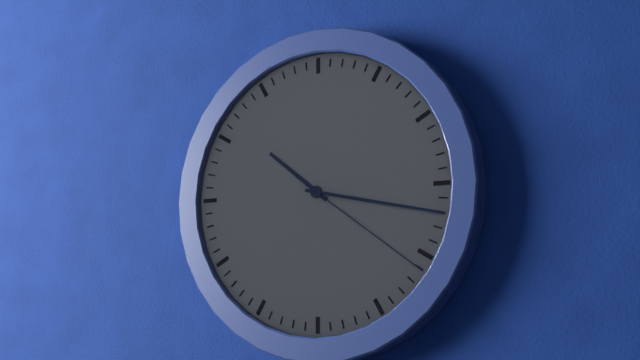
10.17.21
